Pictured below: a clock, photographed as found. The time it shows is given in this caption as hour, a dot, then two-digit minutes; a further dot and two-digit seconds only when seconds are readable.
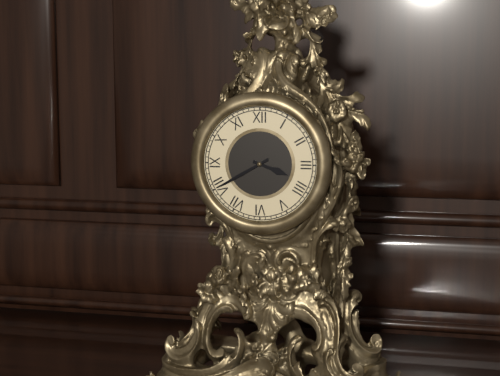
3.40
